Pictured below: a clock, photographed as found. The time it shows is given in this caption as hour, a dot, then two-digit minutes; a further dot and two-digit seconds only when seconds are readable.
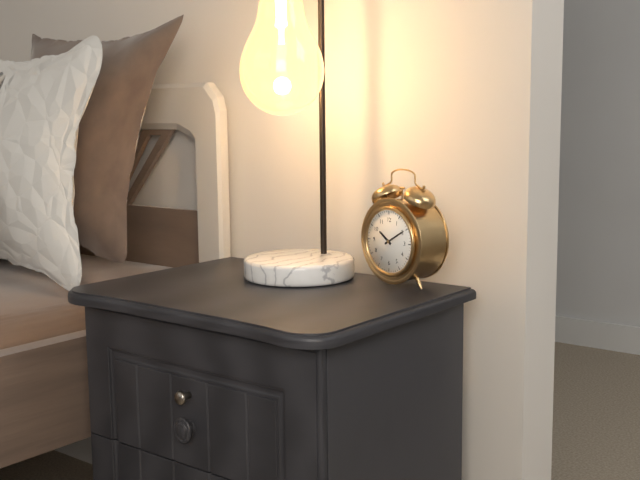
10.10
